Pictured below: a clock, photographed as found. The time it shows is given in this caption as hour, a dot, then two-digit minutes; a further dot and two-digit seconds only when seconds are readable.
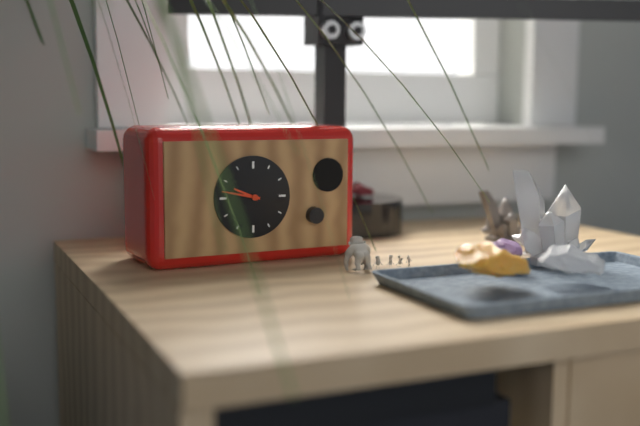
9.47
